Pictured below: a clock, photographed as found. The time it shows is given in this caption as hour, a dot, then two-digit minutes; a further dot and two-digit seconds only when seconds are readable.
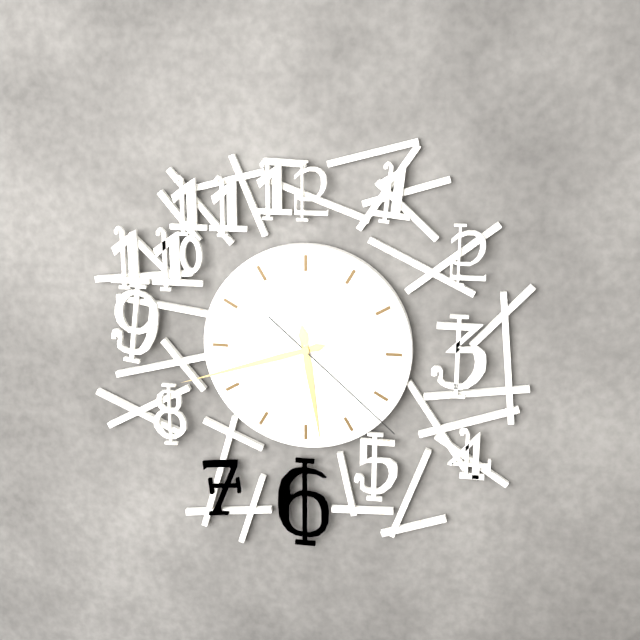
5.42.22
